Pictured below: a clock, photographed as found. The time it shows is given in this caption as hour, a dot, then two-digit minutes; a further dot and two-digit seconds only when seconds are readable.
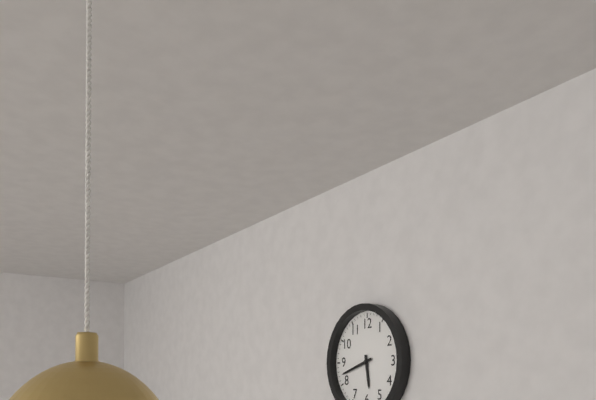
5.42
